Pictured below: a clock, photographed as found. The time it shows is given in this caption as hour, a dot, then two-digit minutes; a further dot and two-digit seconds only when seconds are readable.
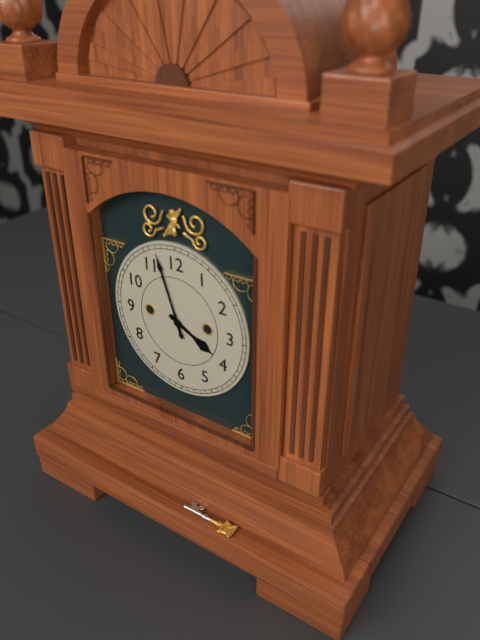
3.57
